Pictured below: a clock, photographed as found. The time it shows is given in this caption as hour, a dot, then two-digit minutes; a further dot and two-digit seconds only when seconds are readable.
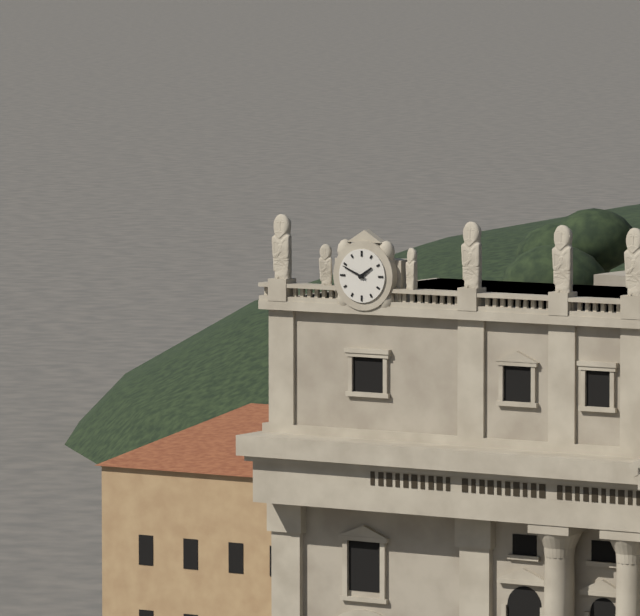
1.49
